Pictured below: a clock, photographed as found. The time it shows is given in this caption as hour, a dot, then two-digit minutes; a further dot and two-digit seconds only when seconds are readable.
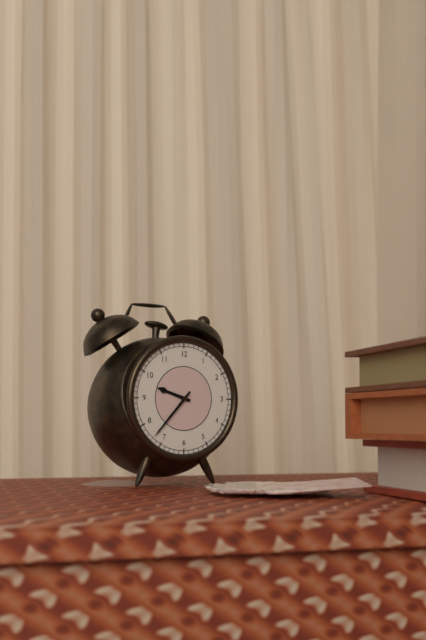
9.37
